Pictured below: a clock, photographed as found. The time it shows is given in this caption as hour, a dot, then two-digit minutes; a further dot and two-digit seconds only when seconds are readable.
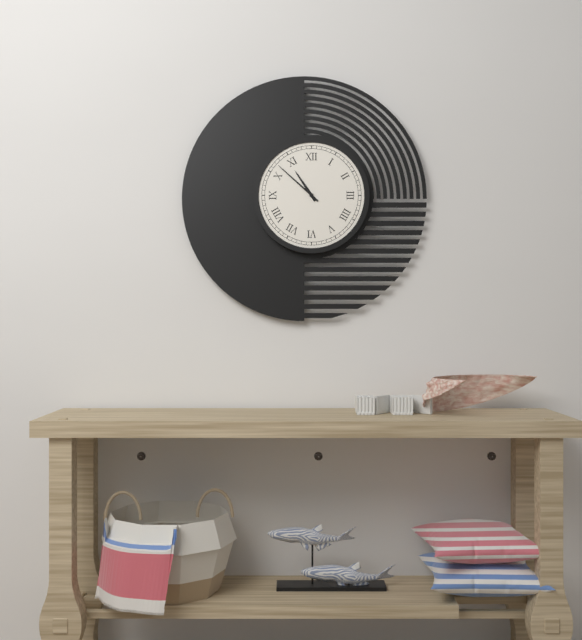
10.52
